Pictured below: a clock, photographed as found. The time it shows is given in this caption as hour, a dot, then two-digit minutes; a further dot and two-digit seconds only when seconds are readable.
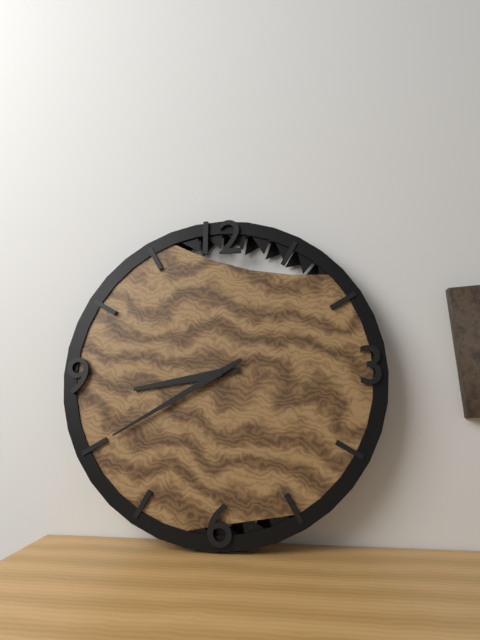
8.40
